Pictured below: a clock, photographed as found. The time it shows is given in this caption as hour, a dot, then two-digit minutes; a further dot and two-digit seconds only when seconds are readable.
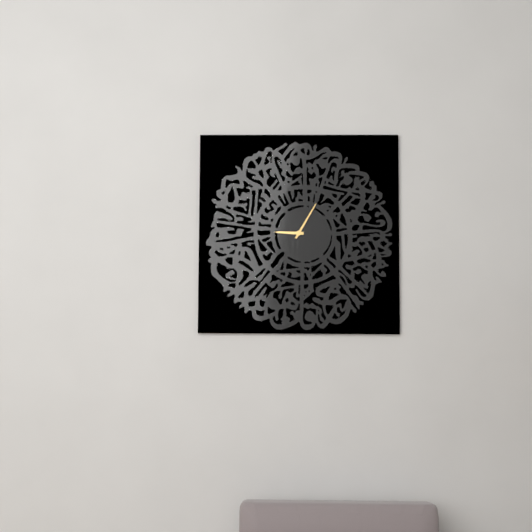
9.05
